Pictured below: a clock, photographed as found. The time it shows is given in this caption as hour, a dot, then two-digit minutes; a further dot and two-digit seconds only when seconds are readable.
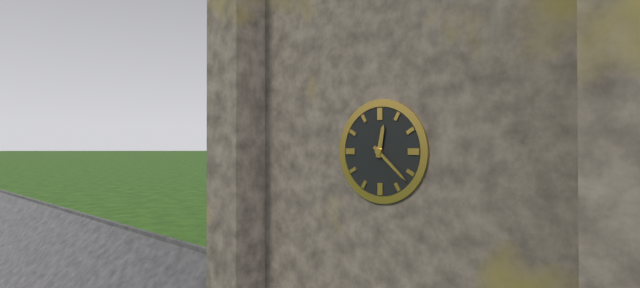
12.22
